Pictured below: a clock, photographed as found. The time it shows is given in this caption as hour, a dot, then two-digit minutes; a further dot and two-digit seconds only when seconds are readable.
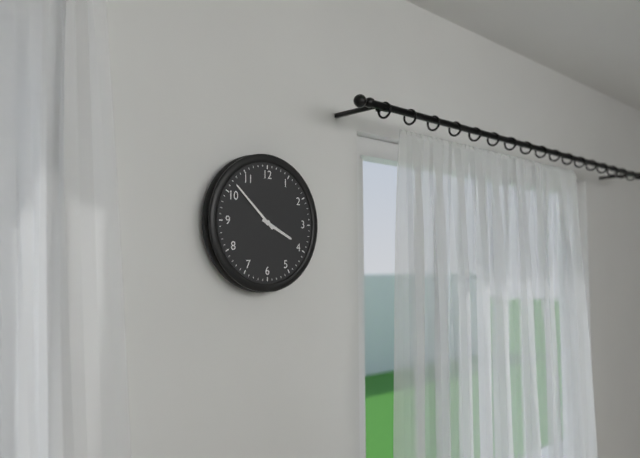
3.52
